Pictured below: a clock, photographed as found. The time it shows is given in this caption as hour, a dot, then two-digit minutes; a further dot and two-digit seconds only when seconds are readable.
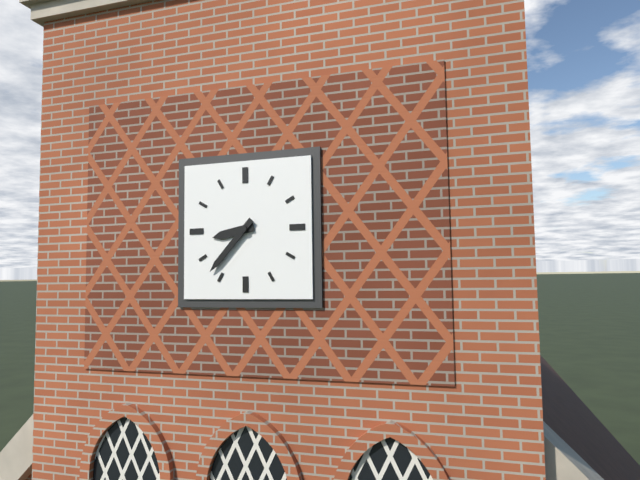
8.37
